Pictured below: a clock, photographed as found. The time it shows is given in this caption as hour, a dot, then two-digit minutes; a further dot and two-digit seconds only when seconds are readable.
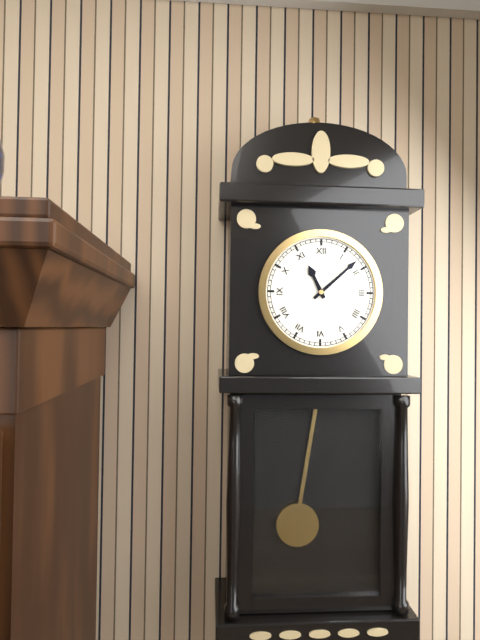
11.08
